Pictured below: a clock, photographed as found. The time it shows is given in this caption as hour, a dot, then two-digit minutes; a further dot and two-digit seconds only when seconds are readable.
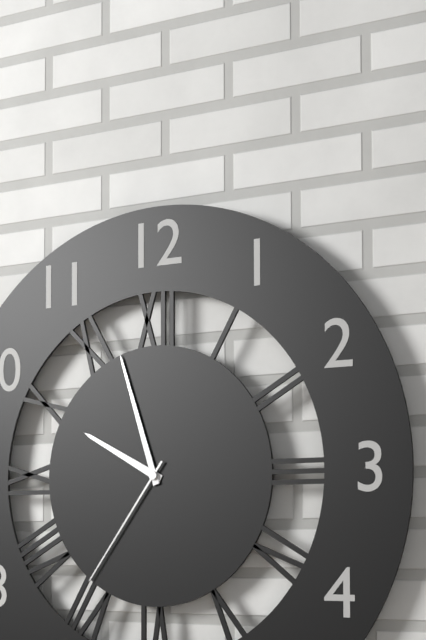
9.57.36
